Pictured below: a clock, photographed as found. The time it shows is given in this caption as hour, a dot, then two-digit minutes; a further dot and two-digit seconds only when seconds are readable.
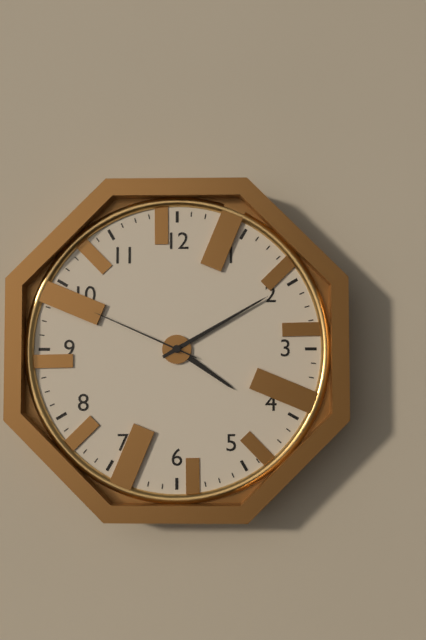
4.10.49
